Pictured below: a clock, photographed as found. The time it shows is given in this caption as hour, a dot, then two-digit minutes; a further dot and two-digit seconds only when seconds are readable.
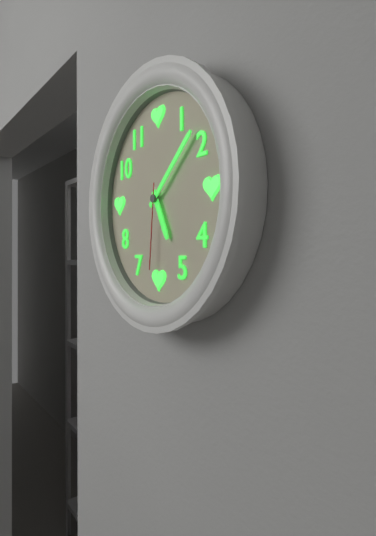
5.08.31
